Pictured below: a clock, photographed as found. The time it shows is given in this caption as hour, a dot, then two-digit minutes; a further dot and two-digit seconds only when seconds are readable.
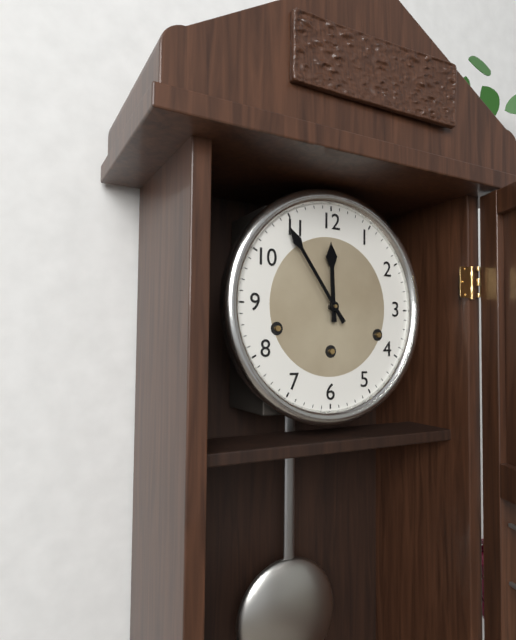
11.54
